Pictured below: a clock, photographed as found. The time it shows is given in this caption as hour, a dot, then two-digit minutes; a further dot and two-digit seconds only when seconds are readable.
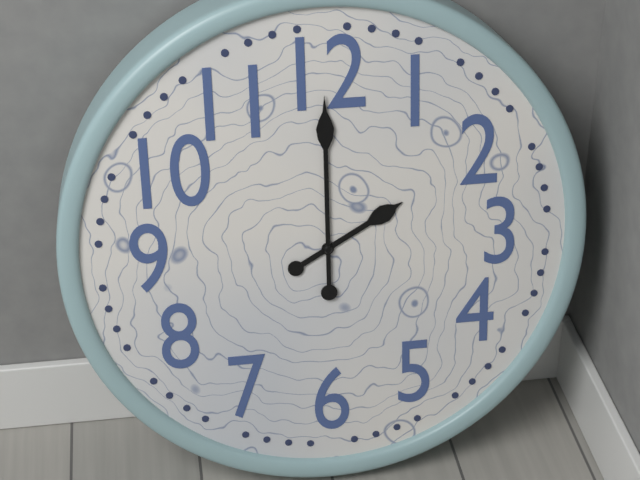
2.00
